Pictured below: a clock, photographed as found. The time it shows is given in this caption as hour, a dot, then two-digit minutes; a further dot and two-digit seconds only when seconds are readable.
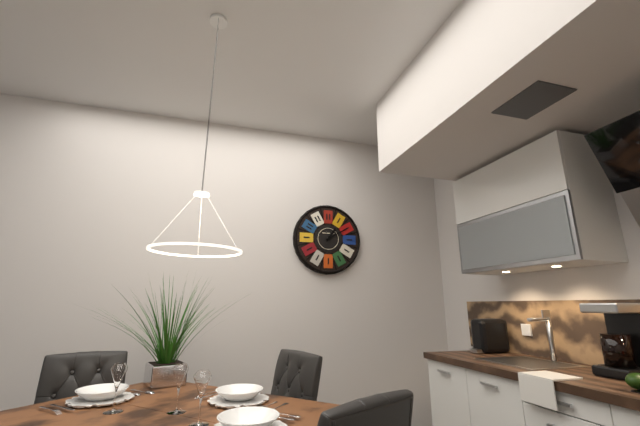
1.10
